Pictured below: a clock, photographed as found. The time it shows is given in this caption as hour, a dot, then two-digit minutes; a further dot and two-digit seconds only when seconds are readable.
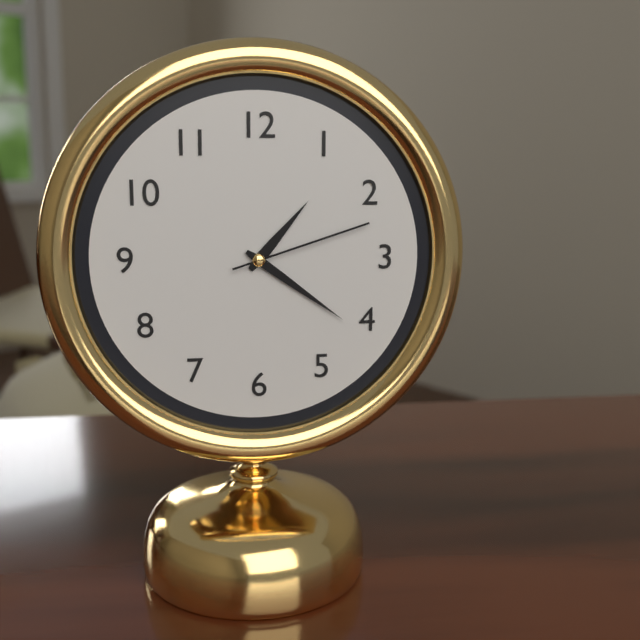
1.21.12
